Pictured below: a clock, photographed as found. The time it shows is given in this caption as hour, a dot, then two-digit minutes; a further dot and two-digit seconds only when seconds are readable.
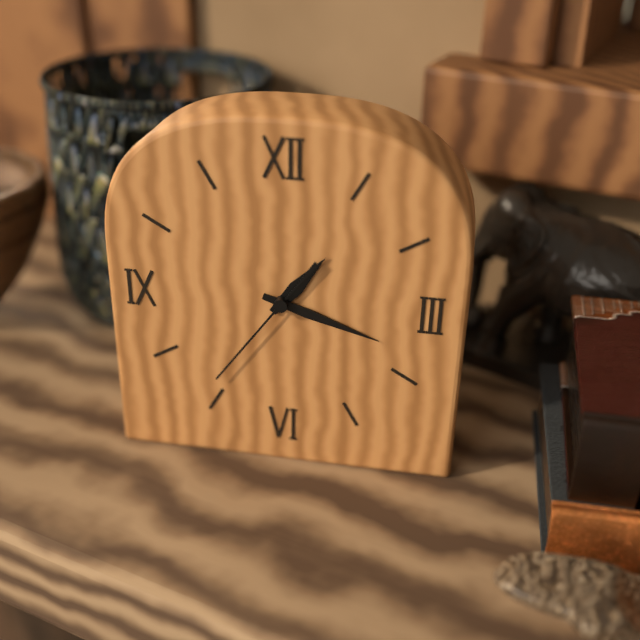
1.18.36
